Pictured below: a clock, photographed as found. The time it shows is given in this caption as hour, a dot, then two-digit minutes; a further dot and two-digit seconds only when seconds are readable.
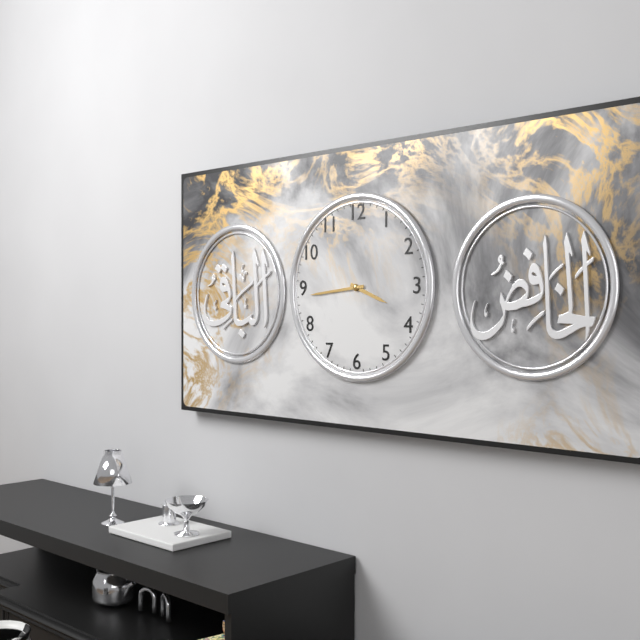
3.44
